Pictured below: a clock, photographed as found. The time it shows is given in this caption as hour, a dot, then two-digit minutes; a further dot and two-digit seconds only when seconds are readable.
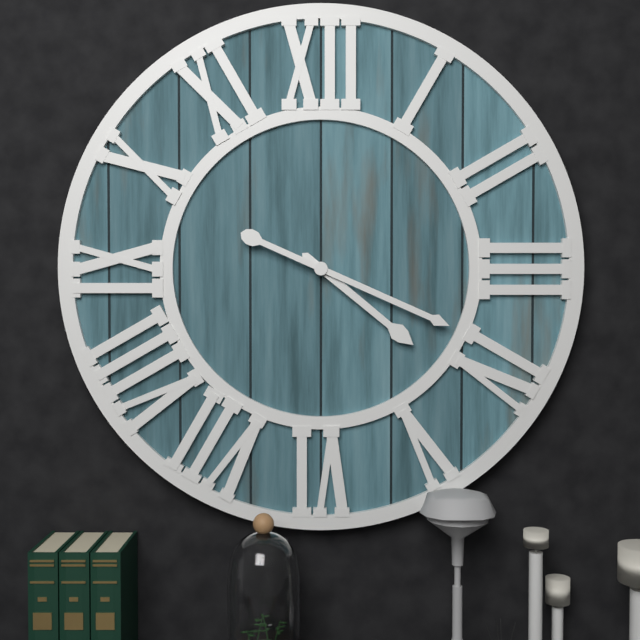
4.19
